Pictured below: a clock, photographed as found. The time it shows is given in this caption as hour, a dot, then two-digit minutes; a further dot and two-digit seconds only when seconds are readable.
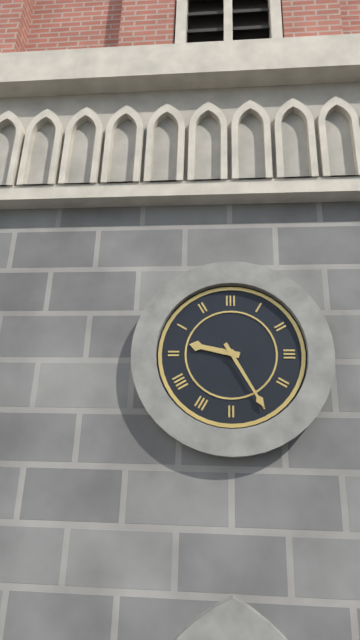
9.25
